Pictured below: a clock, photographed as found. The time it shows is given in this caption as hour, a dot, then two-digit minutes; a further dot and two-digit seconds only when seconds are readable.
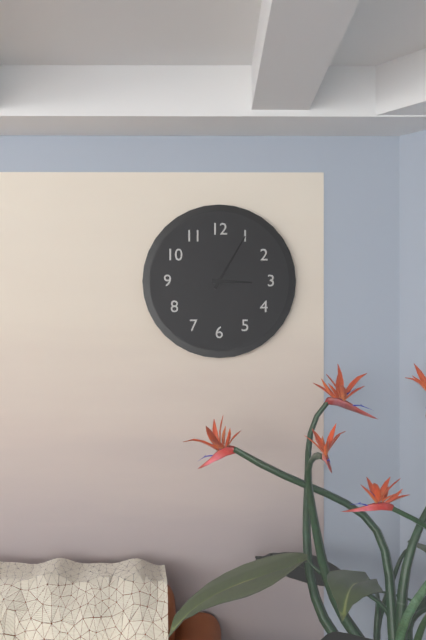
3.05
